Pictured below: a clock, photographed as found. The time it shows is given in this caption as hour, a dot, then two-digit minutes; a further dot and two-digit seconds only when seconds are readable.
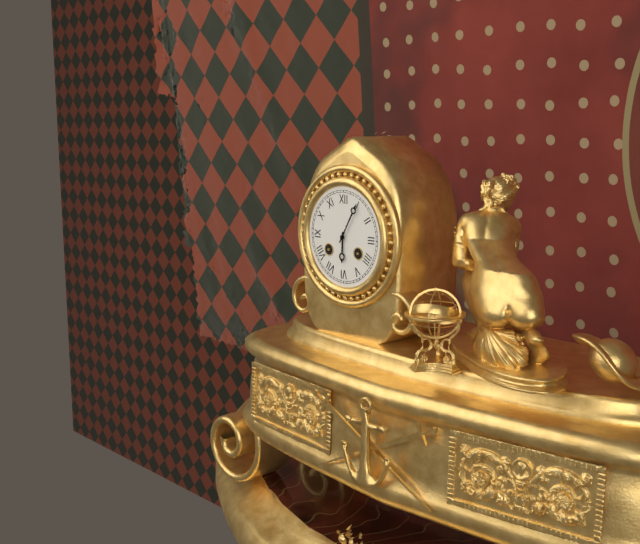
6.05
